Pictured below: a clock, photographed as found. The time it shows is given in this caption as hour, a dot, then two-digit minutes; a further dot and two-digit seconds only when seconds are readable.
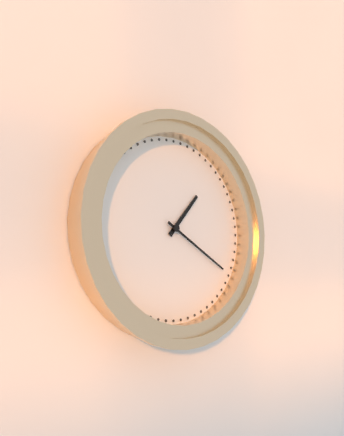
1.20
